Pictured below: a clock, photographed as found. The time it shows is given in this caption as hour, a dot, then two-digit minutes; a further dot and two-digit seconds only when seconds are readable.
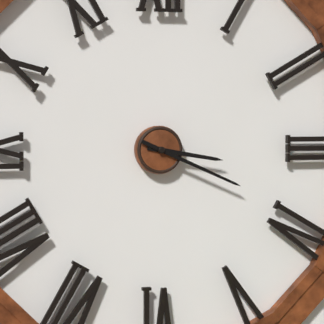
3.19
